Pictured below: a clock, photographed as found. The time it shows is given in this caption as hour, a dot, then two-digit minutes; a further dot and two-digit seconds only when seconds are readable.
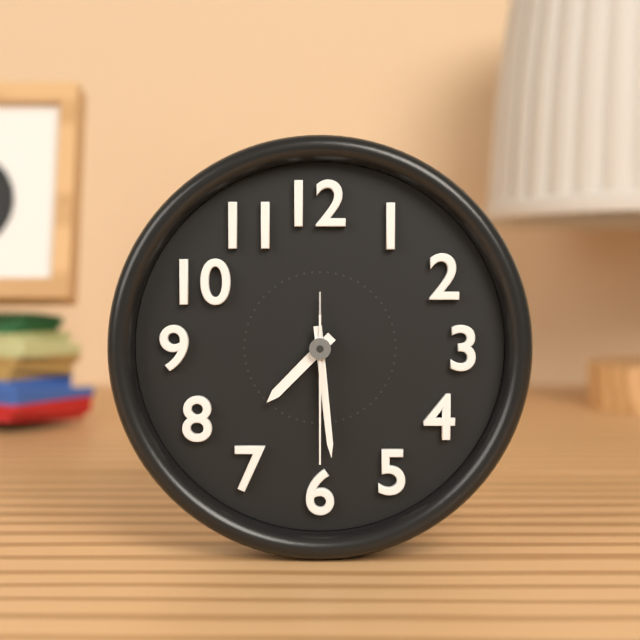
7.29.30
